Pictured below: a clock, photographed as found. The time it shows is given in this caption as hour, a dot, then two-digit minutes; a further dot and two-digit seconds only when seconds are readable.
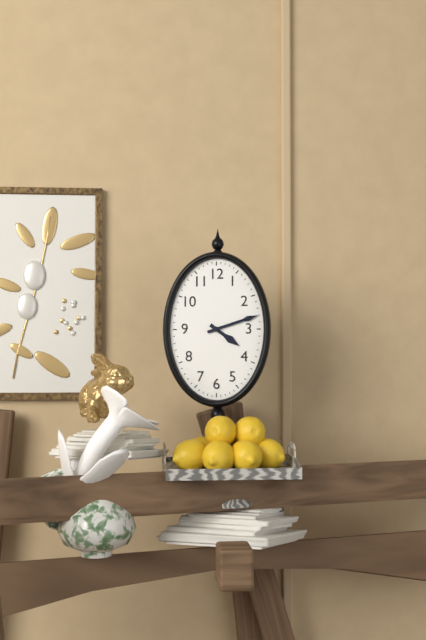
4.12
